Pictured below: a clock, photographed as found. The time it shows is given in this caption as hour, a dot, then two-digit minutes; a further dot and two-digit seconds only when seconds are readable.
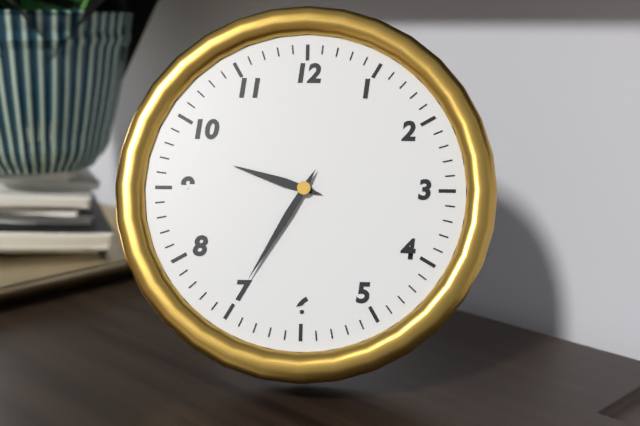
9.35
